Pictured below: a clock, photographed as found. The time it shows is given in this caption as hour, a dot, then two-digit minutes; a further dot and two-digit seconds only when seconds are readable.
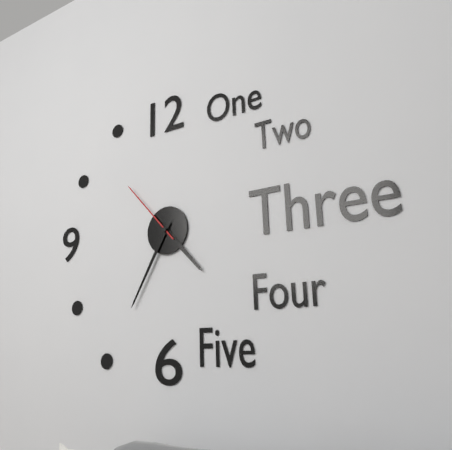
4.35.53
